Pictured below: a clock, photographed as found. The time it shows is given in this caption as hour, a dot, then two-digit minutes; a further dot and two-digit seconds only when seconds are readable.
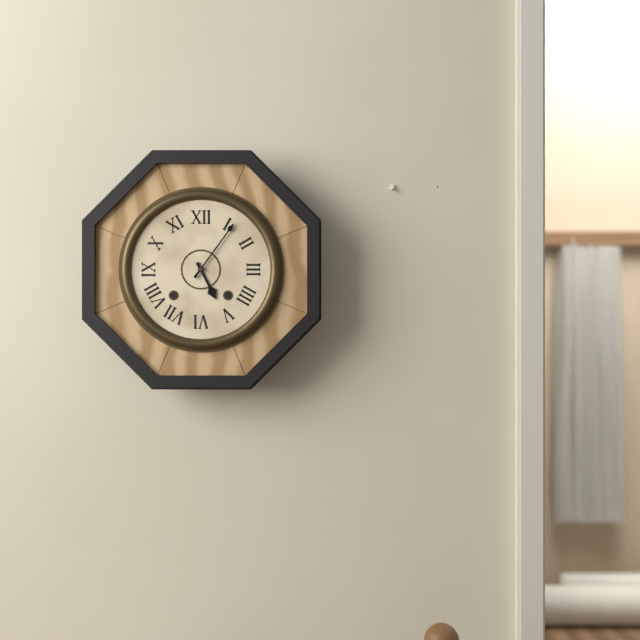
5.06
